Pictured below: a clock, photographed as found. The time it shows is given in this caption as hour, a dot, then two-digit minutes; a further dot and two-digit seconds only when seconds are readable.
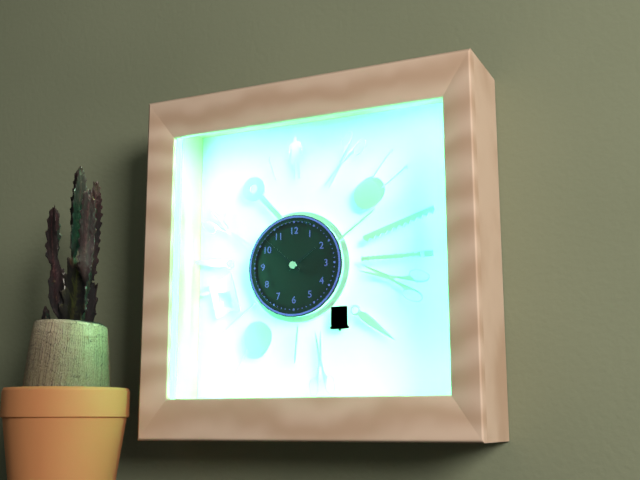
1.52
